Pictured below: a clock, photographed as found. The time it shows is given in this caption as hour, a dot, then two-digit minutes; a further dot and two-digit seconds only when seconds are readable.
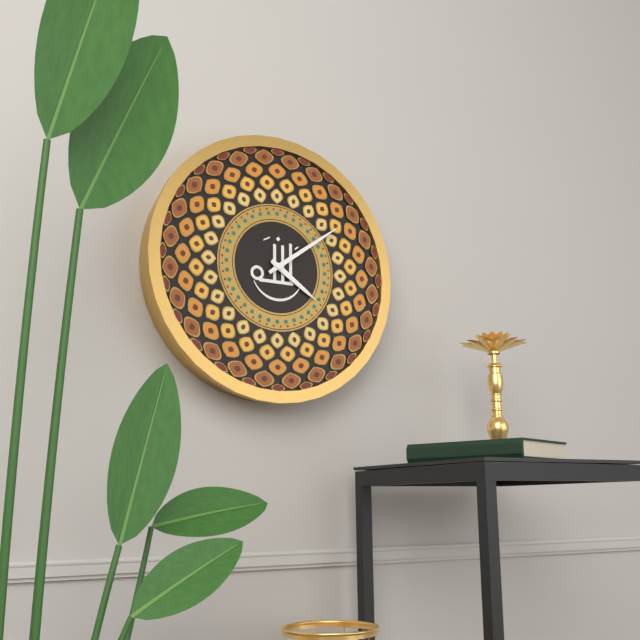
4.09
